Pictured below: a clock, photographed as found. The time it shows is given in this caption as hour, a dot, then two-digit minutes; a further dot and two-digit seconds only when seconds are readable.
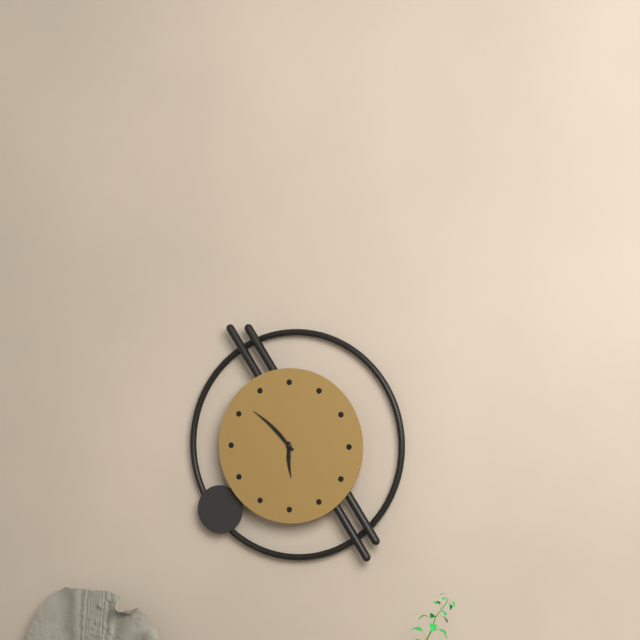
5.52
